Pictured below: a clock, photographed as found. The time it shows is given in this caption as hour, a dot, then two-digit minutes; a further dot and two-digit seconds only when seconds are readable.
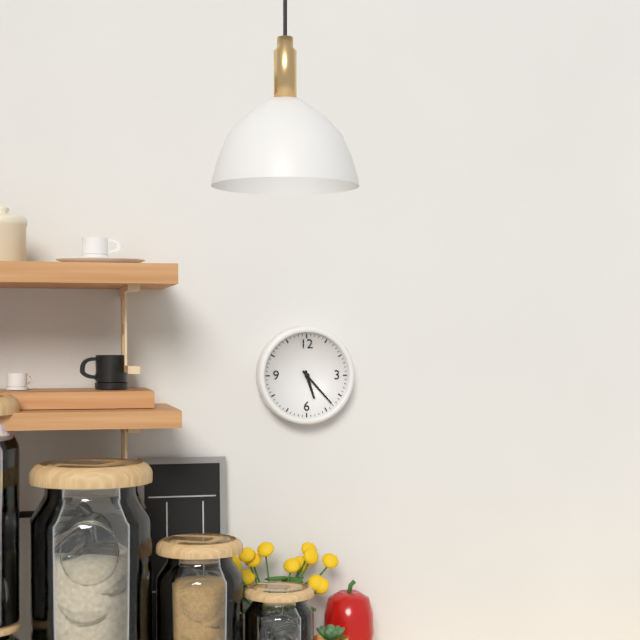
5.23
